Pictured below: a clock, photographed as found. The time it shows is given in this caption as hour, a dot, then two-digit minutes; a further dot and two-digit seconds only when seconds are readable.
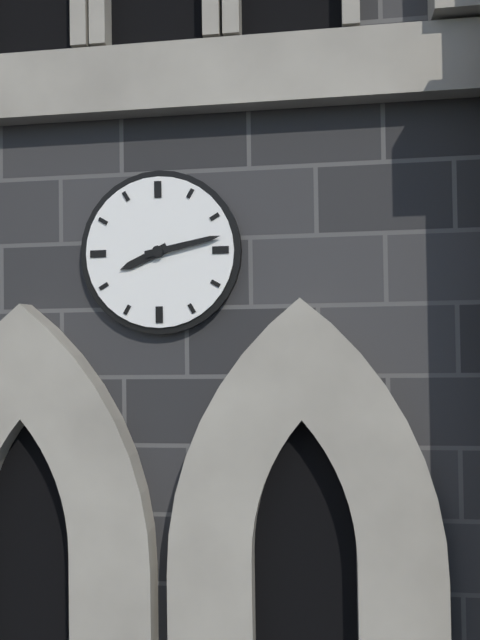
8.13
